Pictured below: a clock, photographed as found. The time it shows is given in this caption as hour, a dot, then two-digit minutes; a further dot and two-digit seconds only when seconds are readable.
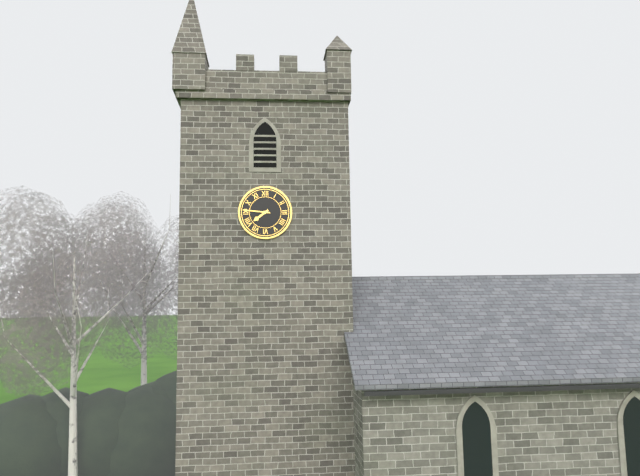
7.46
